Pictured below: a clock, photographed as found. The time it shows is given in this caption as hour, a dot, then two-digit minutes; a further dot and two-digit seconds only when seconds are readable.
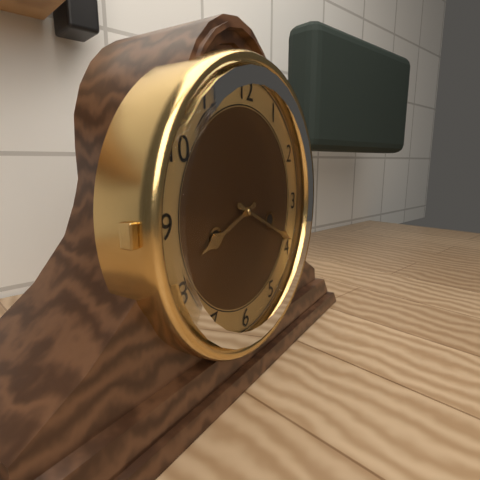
8.19
